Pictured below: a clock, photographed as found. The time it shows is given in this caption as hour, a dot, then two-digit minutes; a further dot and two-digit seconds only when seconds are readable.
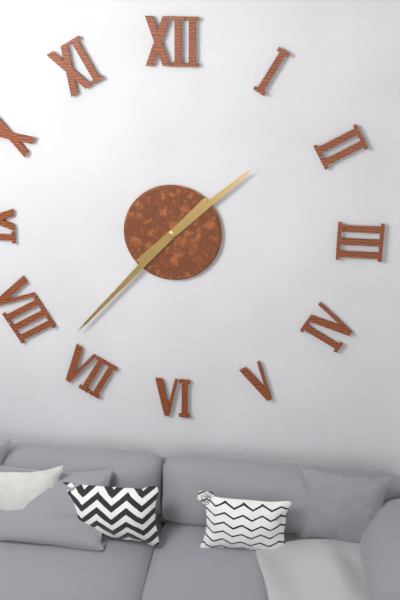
1.37
